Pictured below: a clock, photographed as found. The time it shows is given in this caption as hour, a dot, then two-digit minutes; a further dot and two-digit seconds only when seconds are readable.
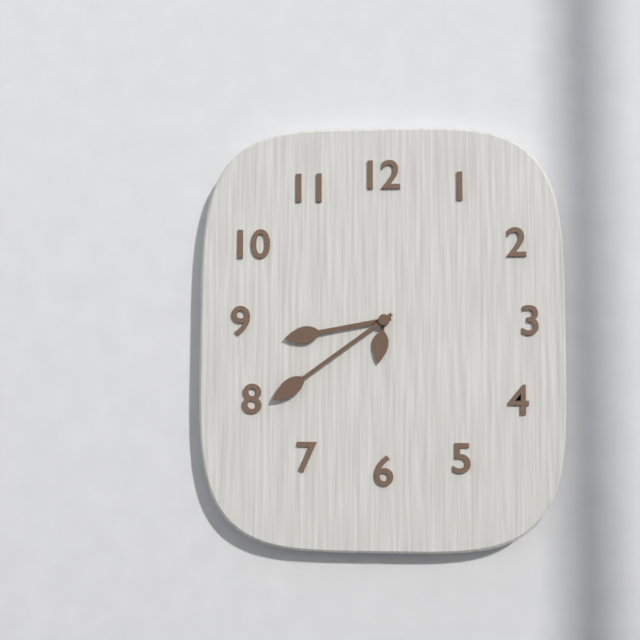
8.39
